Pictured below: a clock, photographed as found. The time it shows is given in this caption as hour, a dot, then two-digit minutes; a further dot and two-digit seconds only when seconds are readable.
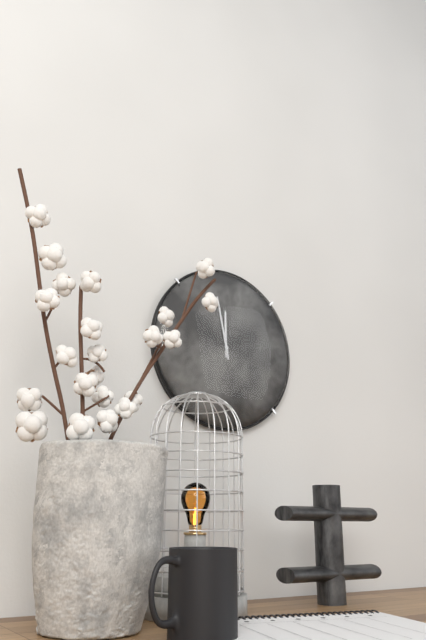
11.58
